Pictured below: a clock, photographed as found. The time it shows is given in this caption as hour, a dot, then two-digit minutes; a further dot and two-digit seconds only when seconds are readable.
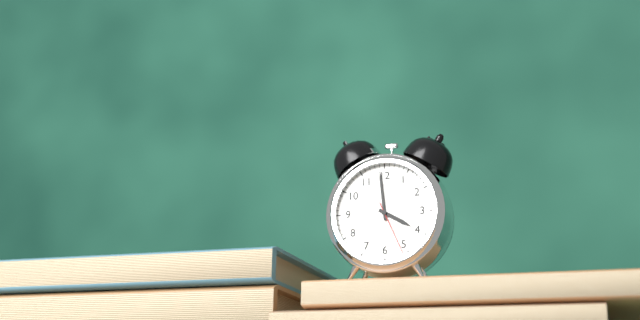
3.59.26
